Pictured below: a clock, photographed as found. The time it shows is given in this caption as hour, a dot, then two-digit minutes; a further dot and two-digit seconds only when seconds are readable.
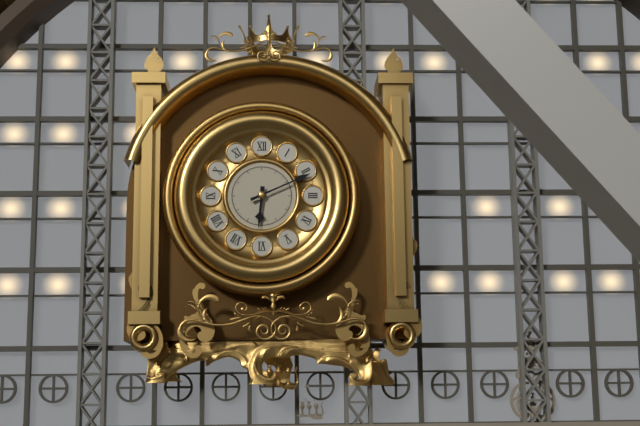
6.11
